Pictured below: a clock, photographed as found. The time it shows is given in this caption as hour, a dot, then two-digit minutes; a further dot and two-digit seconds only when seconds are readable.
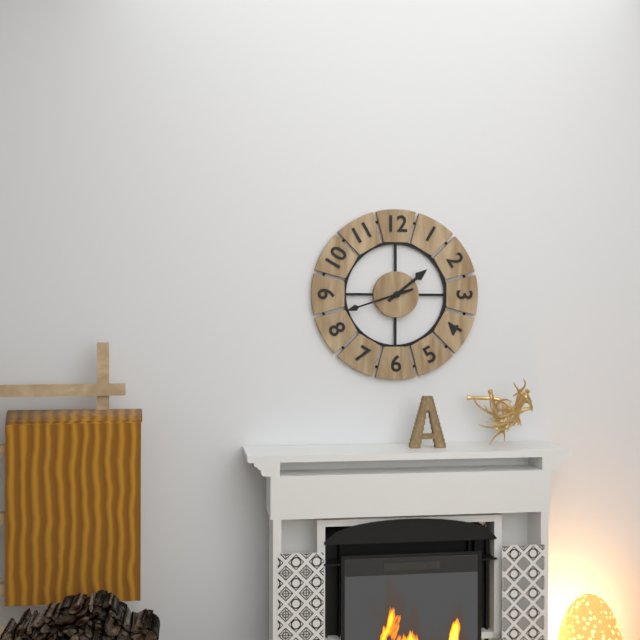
1.42
